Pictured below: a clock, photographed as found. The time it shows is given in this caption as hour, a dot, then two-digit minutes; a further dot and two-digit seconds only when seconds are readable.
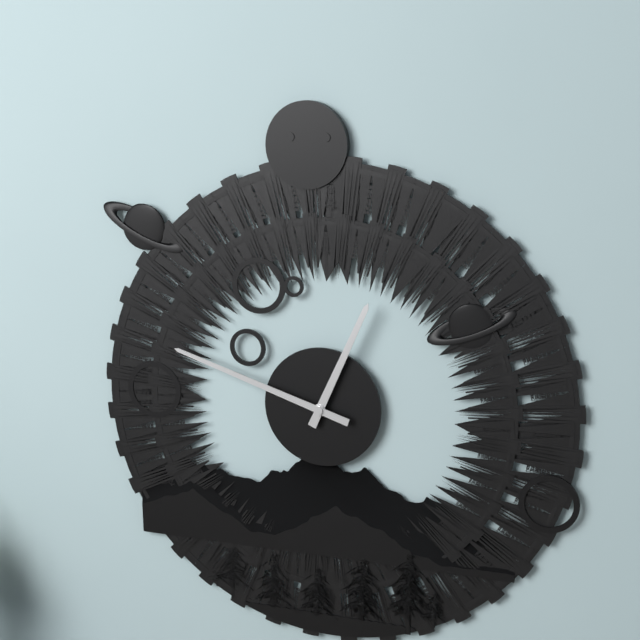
12.48
